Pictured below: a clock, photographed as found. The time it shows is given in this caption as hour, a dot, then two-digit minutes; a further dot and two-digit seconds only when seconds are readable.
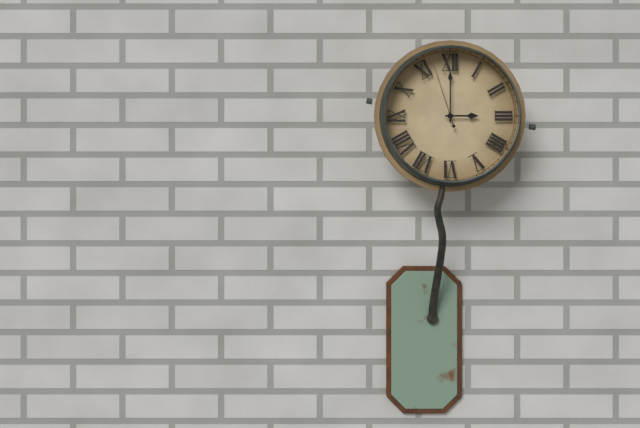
3.00.57
